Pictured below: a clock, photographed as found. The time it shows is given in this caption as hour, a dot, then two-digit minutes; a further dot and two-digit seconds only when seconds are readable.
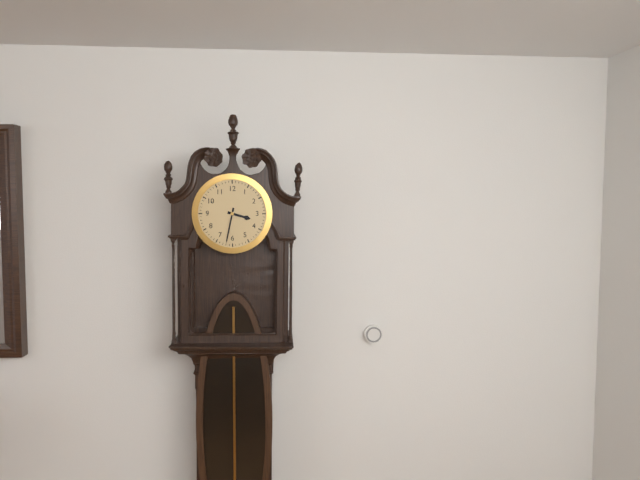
3.32
